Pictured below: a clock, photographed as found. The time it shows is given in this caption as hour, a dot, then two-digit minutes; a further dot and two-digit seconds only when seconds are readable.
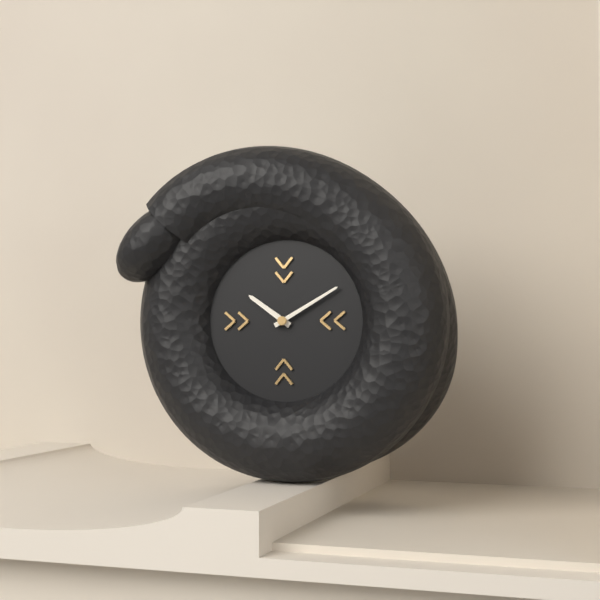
10.10
